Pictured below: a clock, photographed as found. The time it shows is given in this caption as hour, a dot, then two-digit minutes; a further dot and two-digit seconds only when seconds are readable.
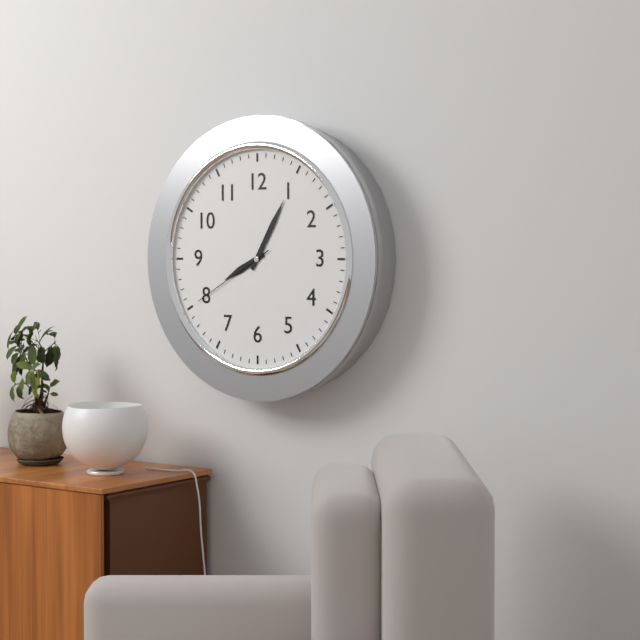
8.05.40
